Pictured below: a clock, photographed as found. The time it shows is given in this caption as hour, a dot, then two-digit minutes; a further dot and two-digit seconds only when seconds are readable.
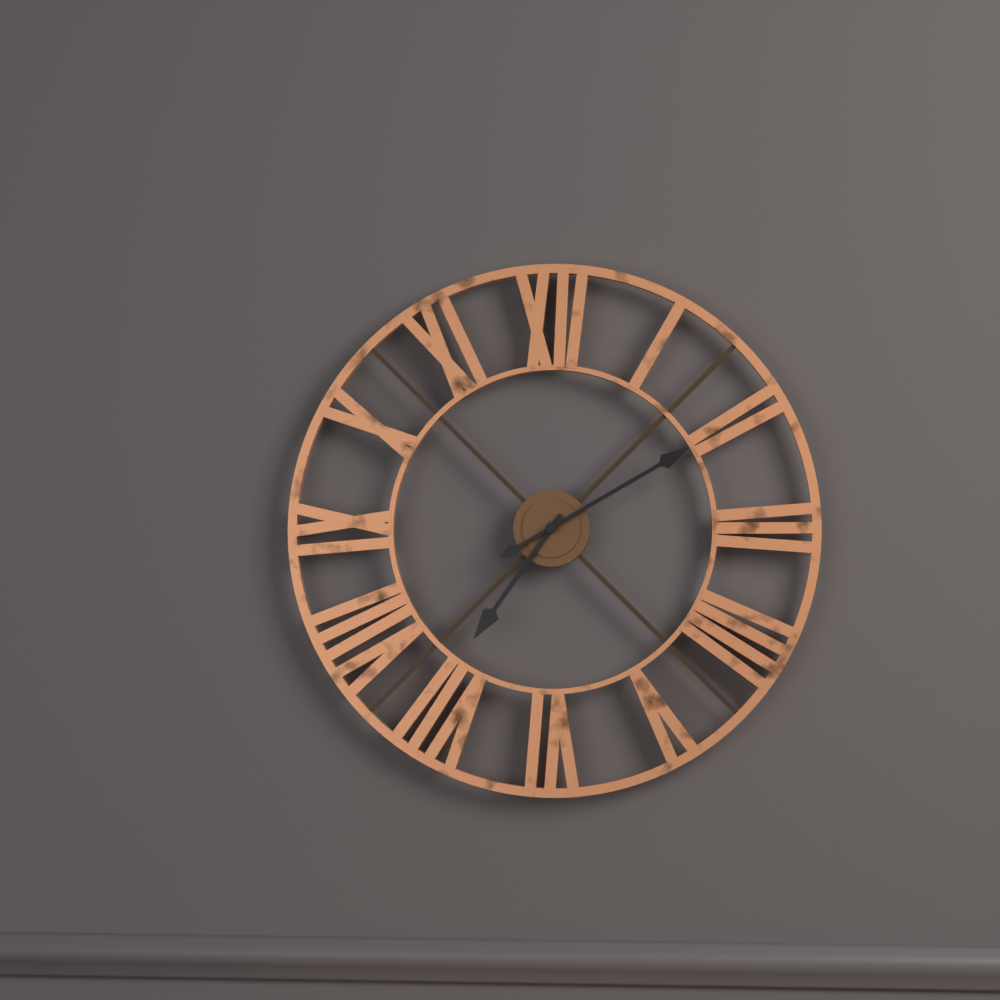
7.10
